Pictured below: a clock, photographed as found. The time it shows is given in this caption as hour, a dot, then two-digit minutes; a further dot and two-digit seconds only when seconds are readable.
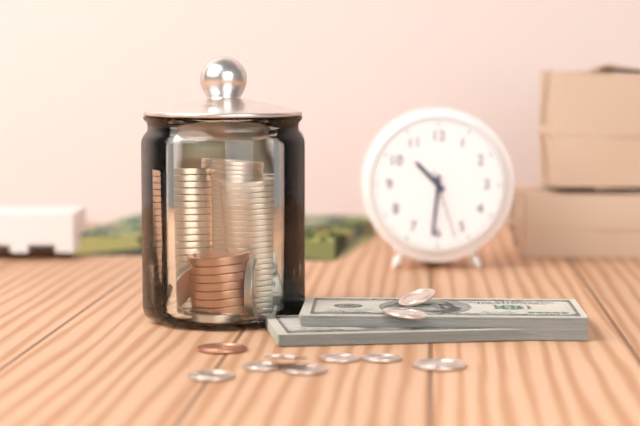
10.31.27
